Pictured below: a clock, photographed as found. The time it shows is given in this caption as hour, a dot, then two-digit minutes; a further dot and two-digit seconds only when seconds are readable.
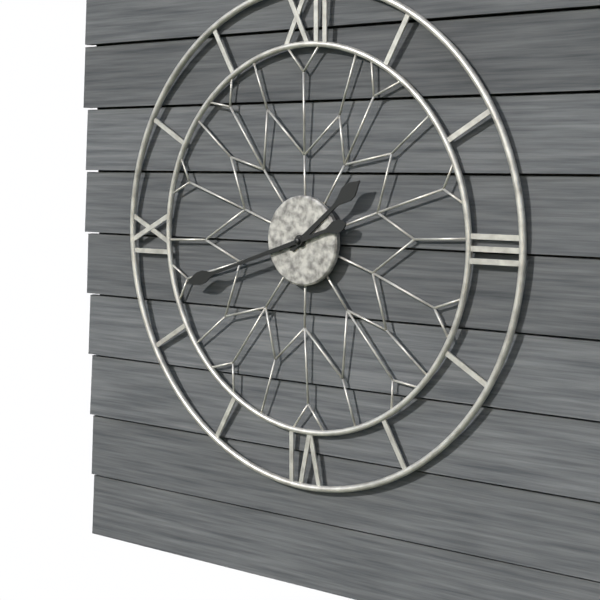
1.42
